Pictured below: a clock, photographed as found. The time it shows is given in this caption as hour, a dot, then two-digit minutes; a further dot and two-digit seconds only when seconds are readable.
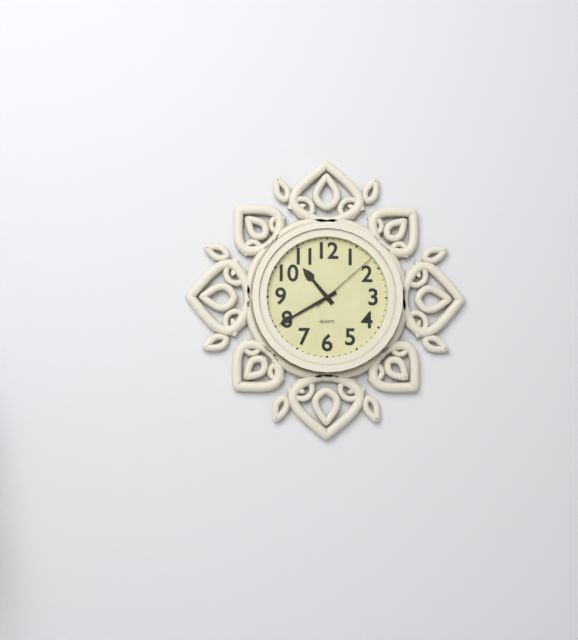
10.40.08
